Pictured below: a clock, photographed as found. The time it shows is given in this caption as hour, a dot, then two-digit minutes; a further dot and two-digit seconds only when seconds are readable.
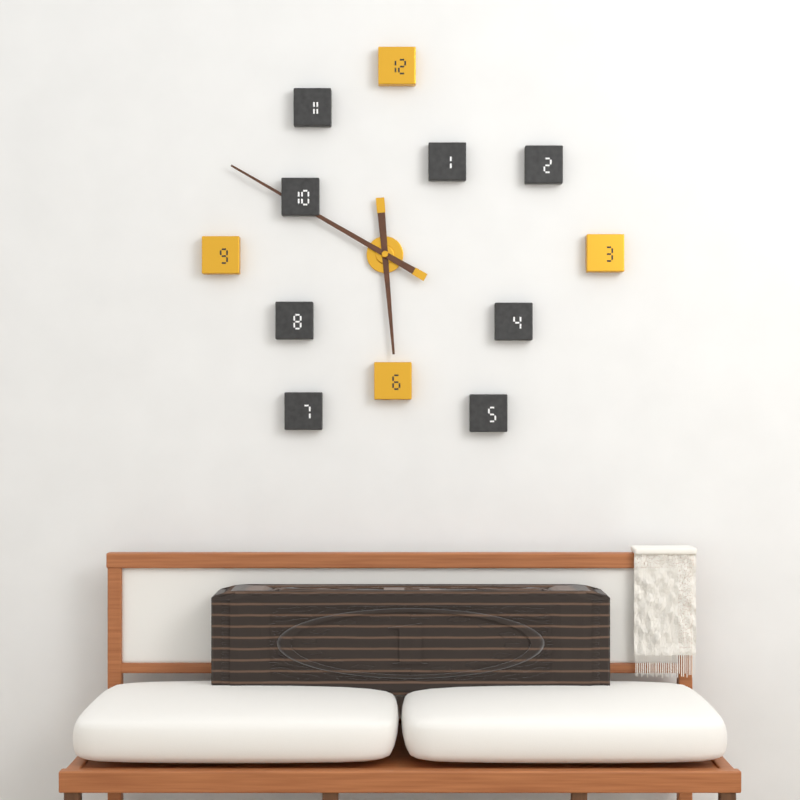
5.50
